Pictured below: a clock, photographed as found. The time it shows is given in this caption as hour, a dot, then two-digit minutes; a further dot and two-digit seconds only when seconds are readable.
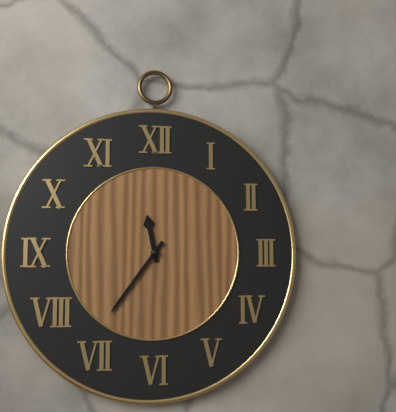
11.36
